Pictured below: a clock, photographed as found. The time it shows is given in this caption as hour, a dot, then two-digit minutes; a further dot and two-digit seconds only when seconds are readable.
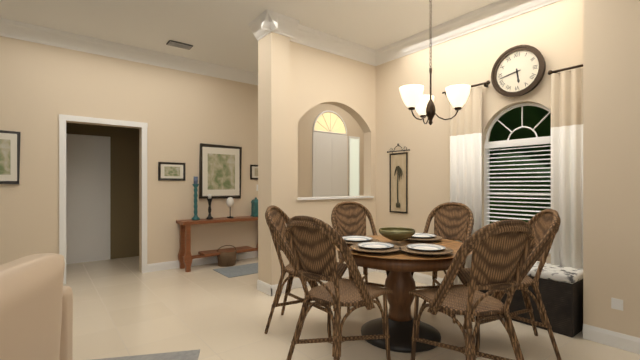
5.43
